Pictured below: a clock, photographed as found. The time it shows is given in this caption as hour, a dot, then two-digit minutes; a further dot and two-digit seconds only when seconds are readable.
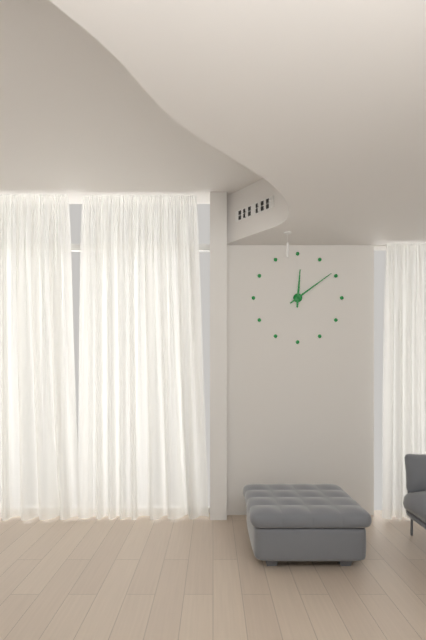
12.09
